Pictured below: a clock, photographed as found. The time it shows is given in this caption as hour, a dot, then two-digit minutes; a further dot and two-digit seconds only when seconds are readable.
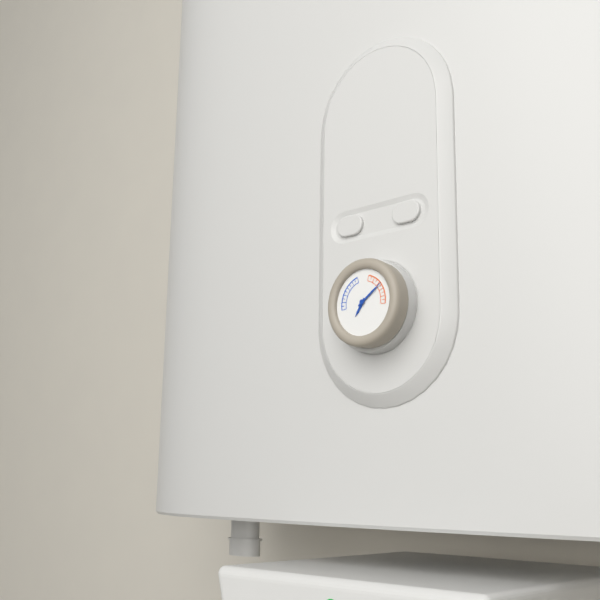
7.09
